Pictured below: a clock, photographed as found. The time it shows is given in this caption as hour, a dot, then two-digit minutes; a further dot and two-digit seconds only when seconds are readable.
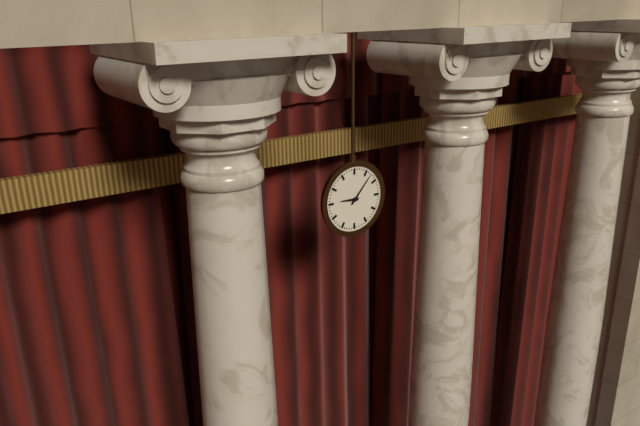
9.07
